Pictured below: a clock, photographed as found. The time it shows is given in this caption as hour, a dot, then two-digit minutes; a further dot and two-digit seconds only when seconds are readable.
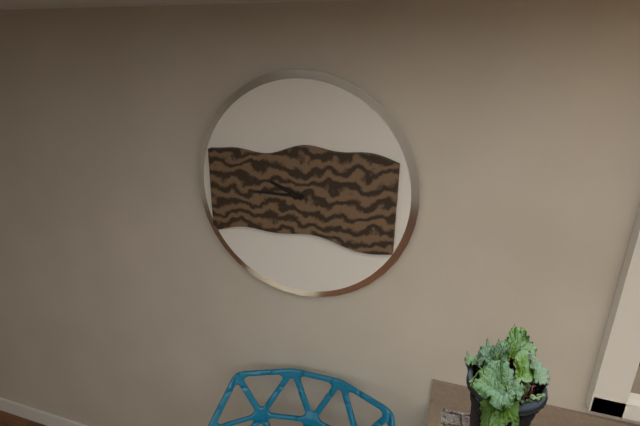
9.45
